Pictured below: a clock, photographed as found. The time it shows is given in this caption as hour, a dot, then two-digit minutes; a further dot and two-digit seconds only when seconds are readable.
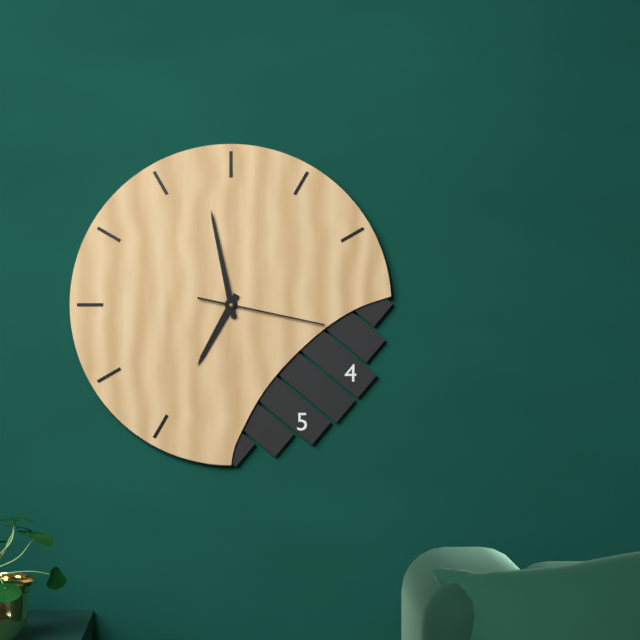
6.58.17
